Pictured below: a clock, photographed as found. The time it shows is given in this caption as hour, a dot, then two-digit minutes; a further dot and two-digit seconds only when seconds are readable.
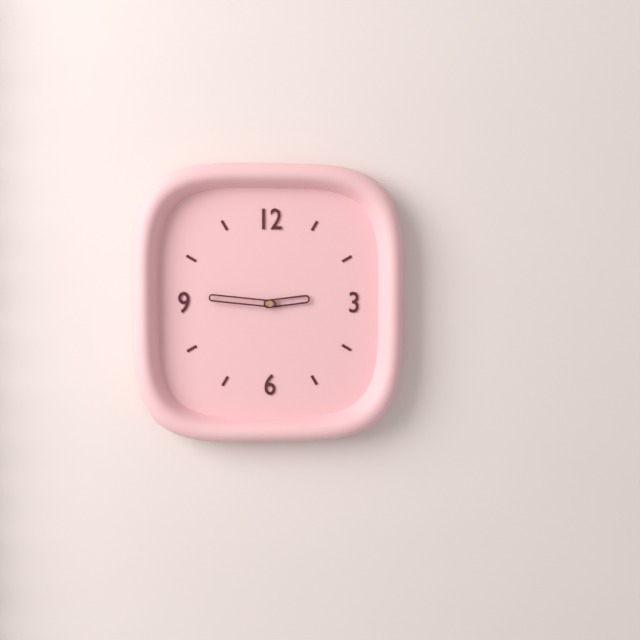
2.46
